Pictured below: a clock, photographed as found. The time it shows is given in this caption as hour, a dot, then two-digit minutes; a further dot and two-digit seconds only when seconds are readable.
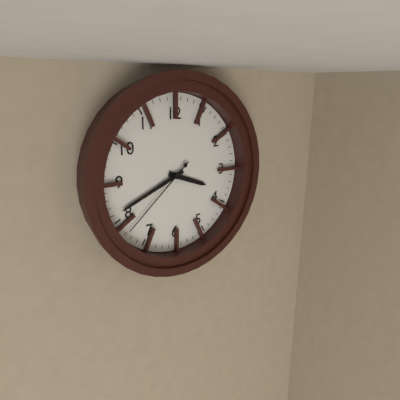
3.41.38
